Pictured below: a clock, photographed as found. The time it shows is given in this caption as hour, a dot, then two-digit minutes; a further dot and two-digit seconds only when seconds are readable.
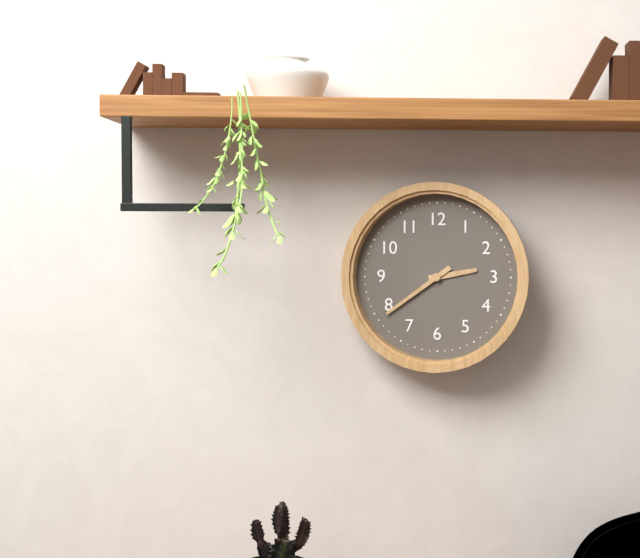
2.39
